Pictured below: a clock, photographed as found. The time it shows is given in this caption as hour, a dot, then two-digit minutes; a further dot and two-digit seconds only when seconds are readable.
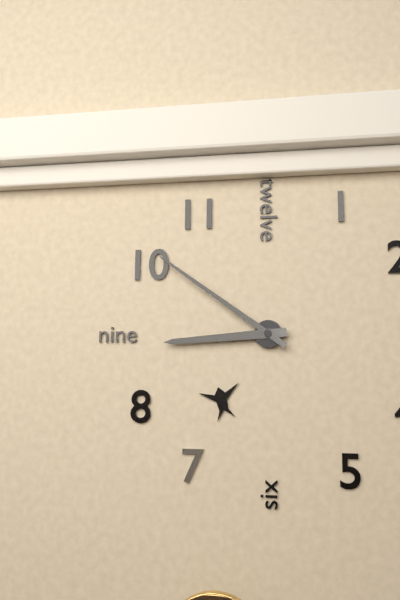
8.51
